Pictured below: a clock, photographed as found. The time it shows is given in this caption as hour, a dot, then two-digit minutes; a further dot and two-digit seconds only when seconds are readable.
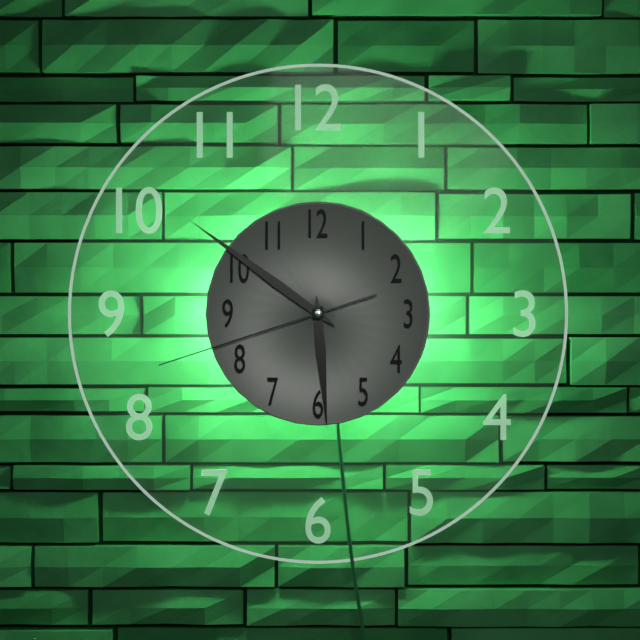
5.51.42
